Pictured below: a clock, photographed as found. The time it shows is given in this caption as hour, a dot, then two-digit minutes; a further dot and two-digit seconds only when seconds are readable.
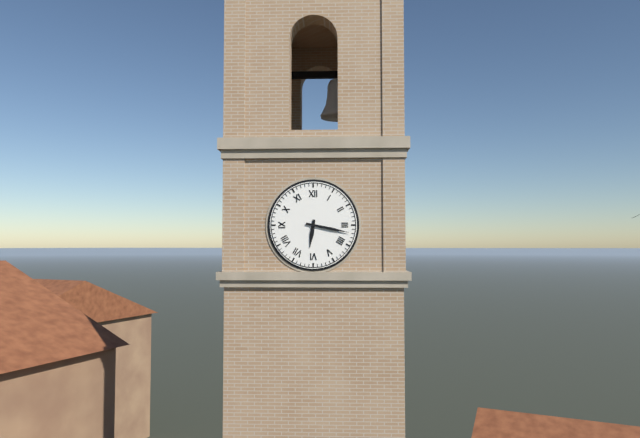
6.17
